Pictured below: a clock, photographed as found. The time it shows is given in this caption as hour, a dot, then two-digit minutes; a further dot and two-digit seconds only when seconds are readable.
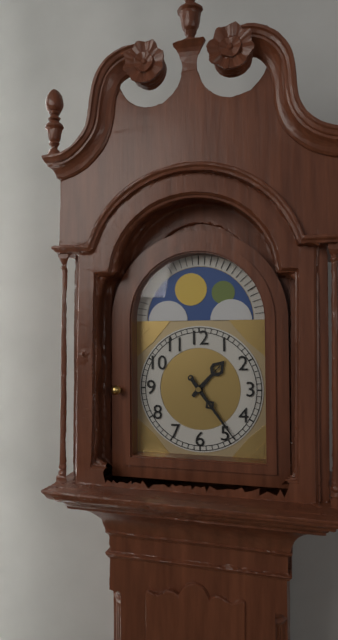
1.24
